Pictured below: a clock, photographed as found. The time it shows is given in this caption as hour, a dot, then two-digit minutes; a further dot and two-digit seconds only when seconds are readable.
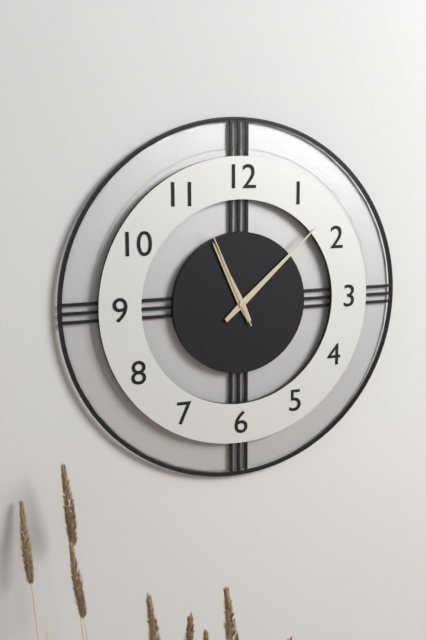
11.08.56
